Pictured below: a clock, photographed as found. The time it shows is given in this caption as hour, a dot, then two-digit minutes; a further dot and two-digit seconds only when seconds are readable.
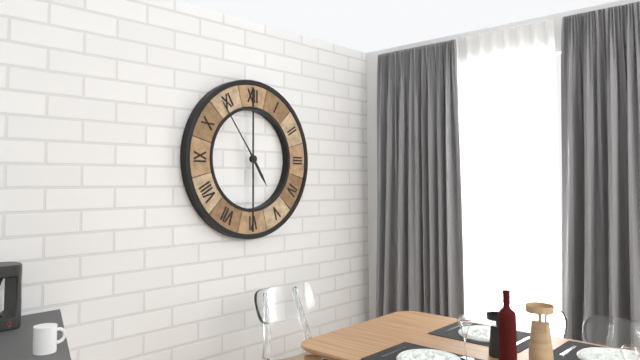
4.54
